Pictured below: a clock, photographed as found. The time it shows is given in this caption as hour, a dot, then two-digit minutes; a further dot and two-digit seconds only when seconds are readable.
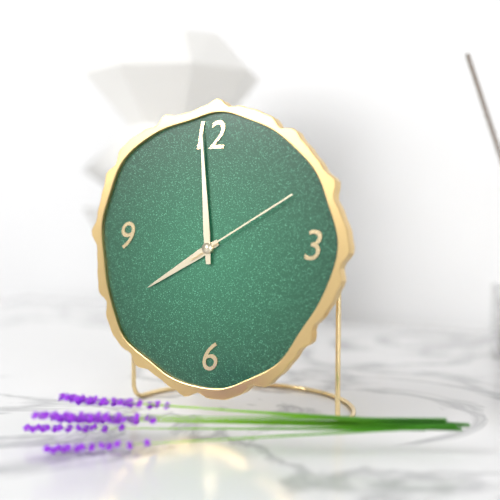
7.59.10
